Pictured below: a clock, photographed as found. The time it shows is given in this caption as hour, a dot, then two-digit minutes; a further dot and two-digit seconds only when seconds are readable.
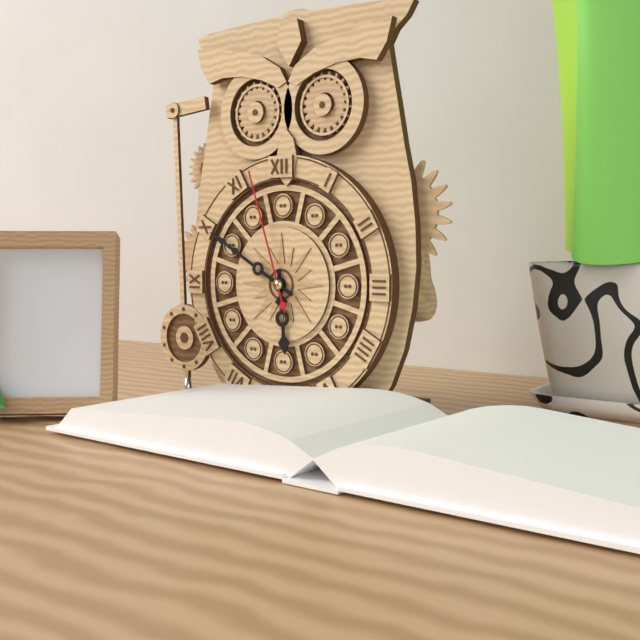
5.50.57
